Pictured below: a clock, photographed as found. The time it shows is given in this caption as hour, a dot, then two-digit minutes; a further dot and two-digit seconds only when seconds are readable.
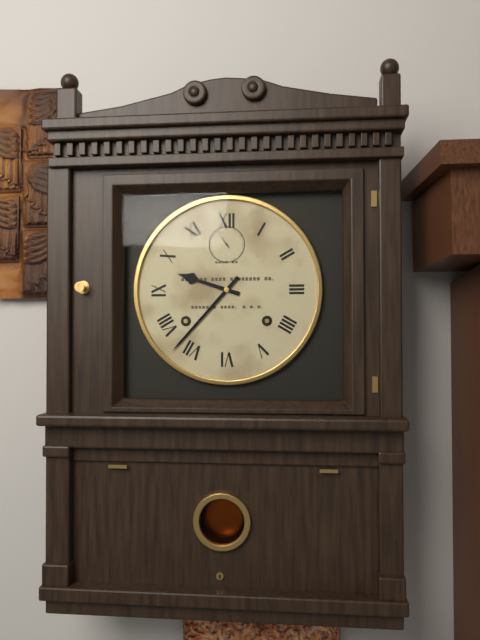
9.37
